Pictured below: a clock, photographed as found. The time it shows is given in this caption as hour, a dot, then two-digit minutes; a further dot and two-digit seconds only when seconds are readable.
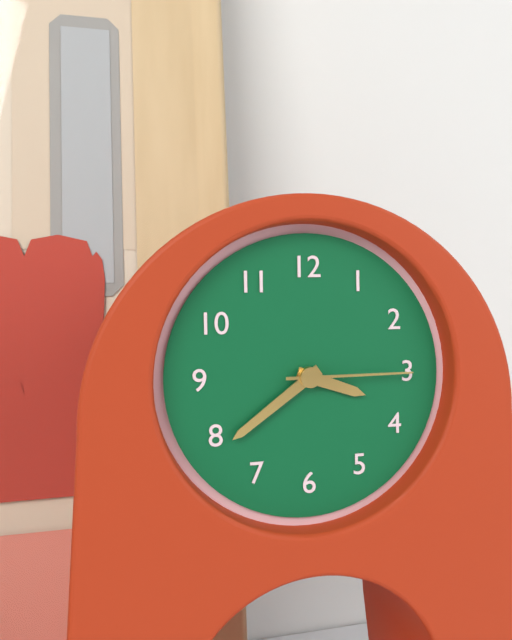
3.39.15
